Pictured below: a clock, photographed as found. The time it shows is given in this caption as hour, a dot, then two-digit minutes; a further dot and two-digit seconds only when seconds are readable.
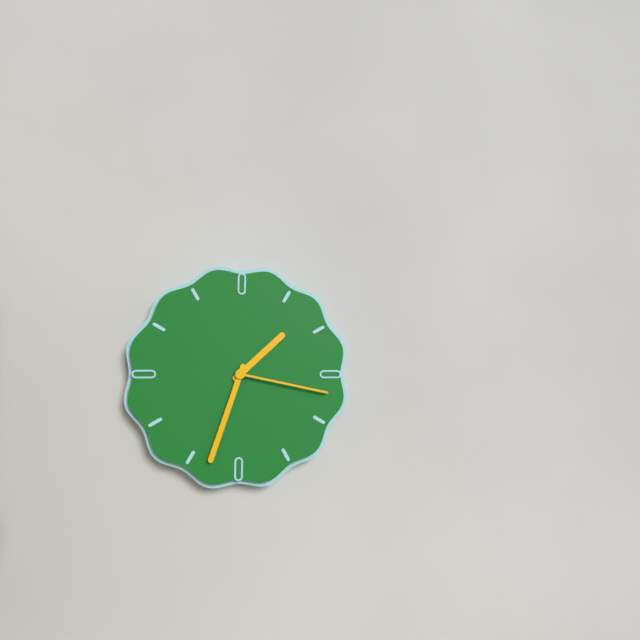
1.33.17
